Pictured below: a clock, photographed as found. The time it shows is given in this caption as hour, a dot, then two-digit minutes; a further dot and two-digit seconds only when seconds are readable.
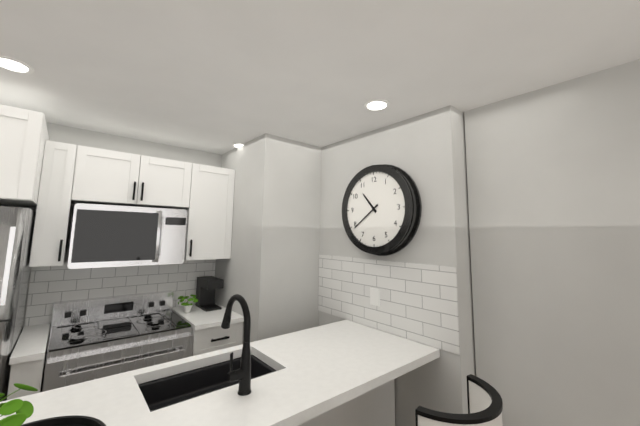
10.39
